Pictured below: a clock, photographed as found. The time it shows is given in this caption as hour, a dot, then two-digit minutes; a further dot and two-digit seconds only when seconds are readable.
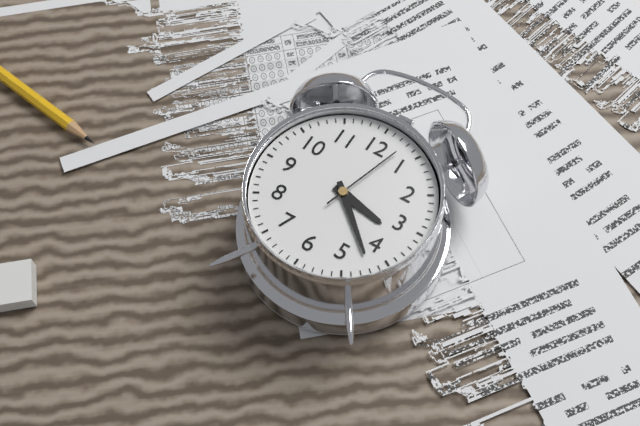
3.22.03
